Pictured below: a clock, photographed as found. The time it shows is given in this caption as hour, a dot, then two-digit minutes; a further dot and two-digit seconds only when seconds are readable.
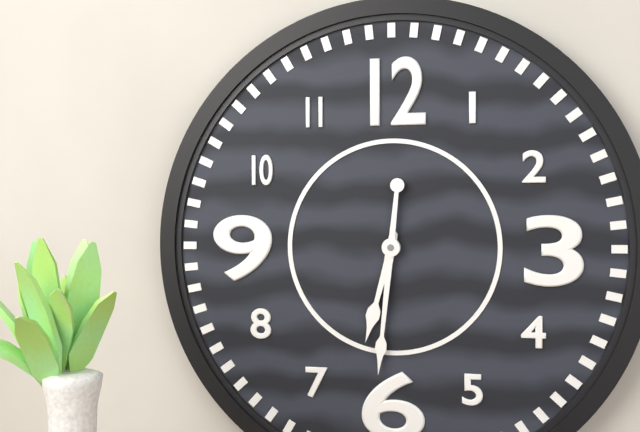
6.31
